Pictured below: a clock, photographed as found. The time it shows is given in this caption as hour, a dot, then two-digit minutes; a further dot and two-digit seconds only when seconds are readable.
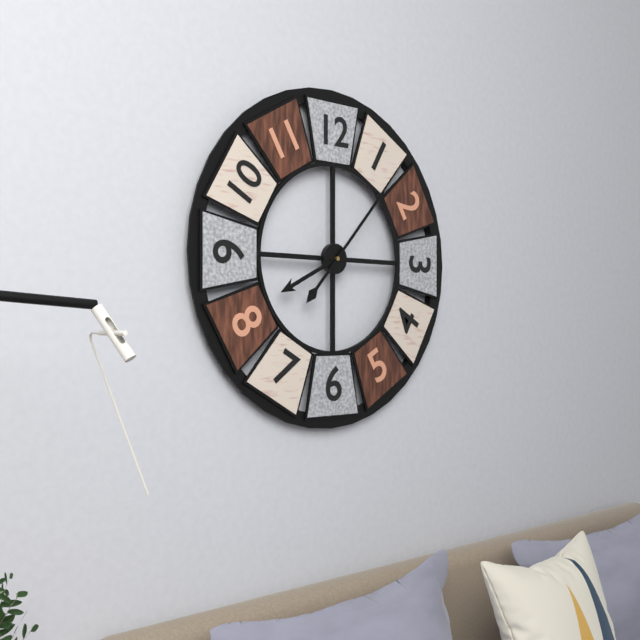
8.07
